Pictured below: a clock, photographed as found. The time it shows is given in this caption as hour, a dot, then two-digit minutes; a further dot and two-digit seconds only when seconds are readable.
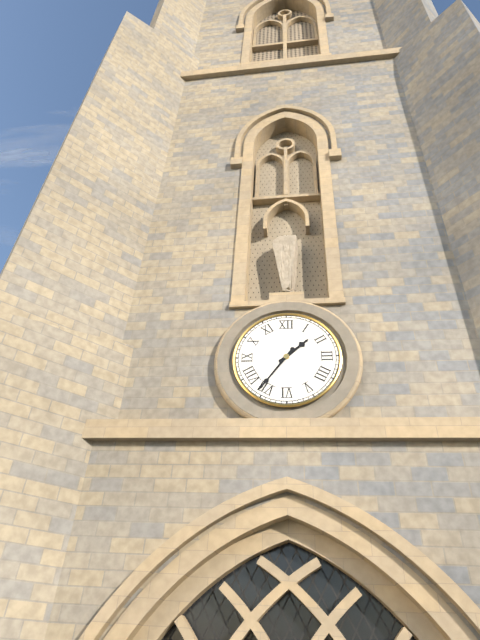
1.36
